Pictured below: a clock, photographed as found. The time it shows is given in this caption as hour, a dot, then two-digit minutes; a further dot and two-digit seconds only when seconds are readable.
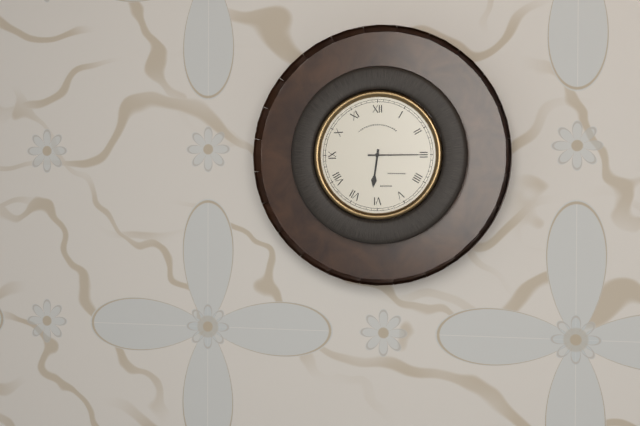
6.15
